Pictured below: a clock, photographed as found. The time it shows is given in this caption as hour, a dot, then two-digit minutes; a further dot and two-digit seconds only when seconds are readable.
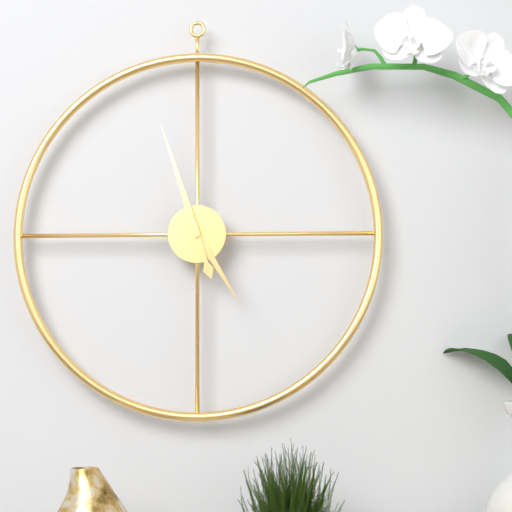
4.57
